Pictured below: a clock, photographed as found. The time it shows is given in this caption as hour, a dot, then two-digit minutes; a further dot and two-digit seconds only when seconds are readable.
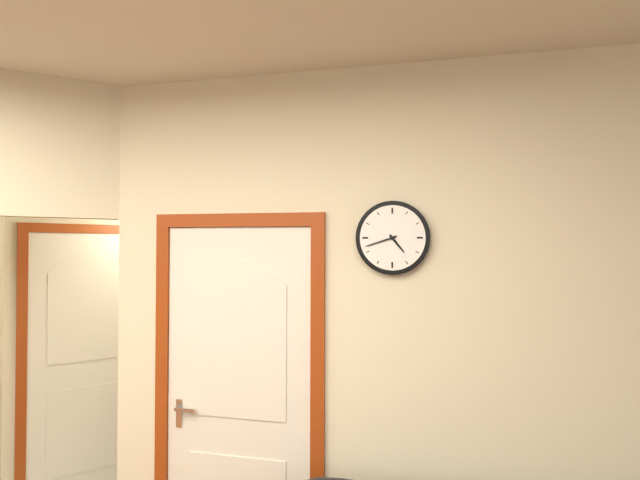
4.42
